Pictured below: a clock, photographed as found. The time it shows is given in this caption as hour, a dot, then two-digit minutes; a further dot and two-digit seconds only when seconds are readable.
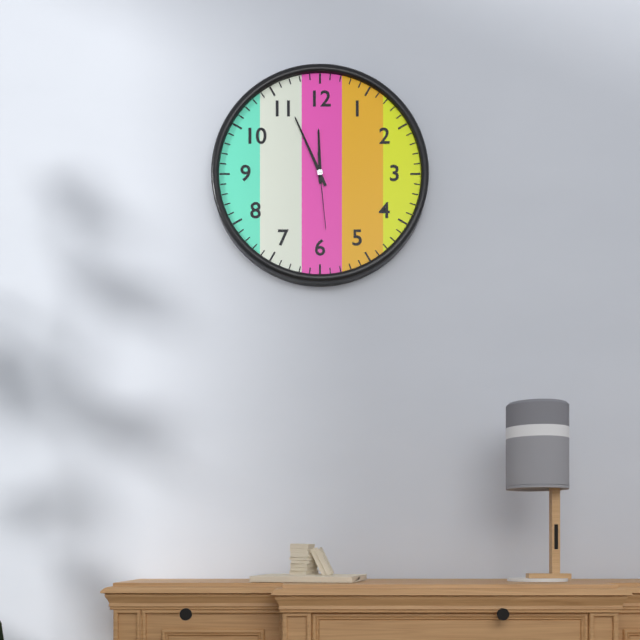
11.56.29
